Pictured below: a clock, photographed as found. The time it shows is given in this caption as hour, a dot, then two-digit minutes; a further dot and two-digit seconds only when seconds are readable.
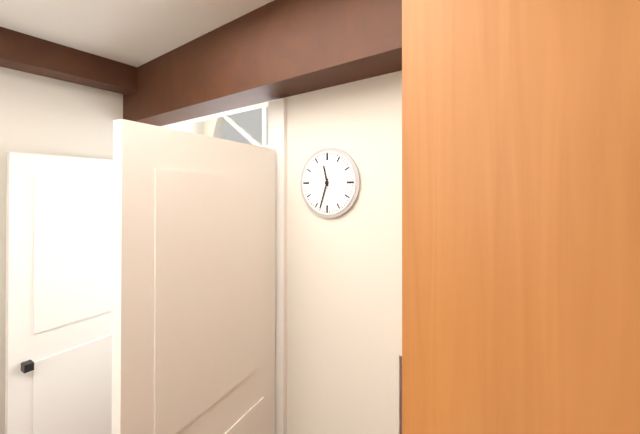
11.33
